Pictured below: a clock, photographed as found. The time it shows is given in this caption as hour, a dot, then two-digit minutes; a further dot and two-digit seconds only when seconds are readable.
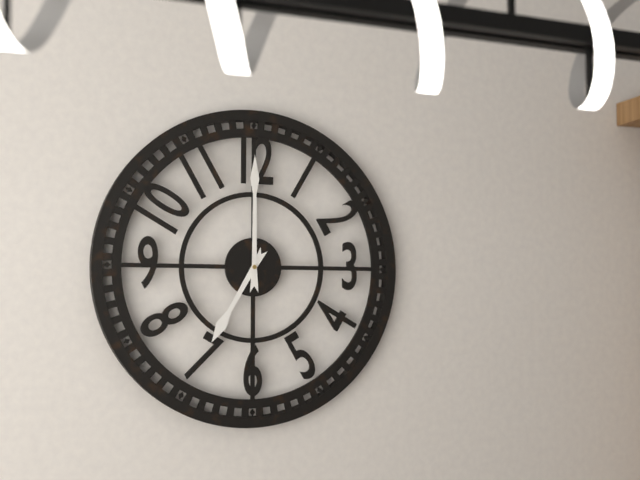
7.00
